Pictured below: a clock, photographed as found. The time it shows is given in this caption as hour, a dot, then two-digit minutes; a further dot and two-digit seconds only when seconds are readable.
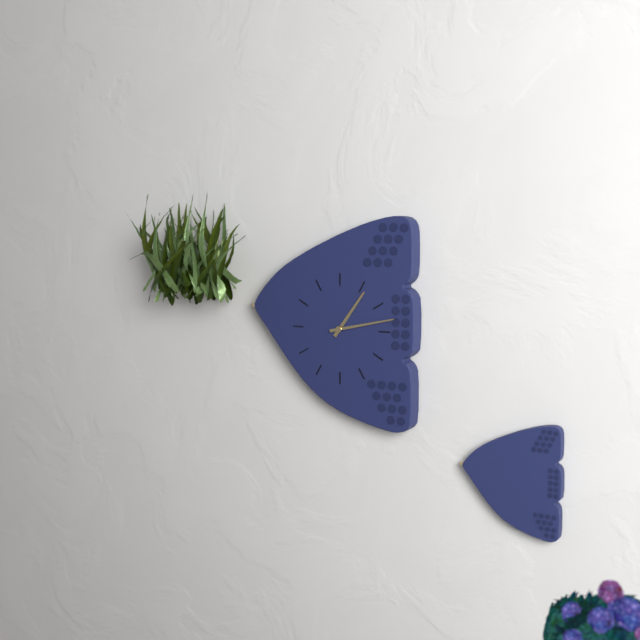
1.13
